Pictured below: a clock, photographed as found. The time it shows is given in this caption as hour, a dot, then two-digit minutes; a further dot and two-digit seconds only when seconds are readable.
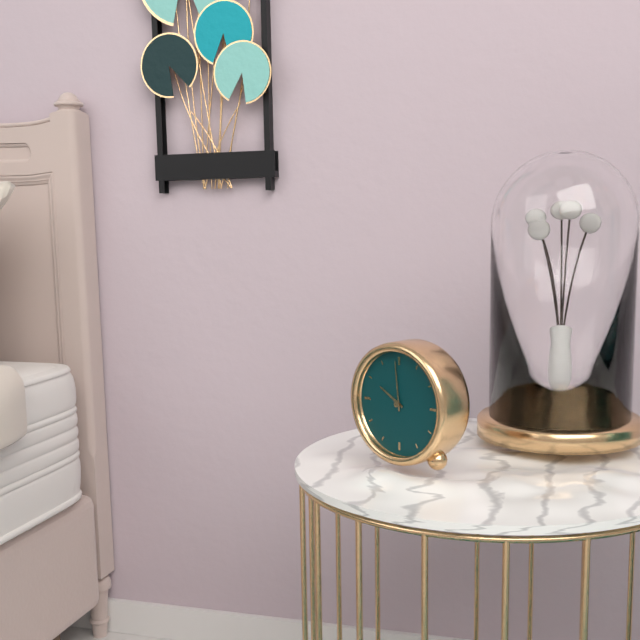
9.59
